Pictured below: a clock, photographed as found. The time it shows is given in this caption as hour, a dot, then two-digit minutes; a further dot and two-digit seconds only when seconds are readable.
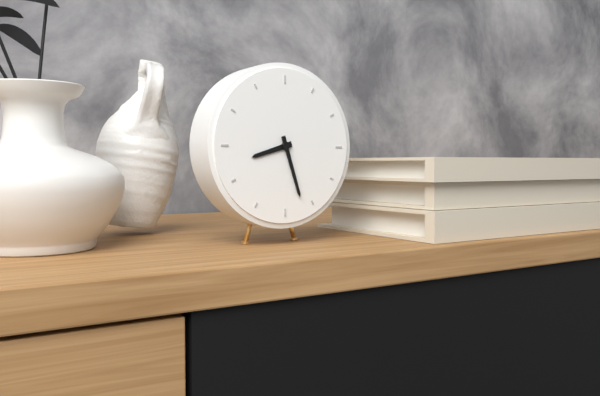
8.27
